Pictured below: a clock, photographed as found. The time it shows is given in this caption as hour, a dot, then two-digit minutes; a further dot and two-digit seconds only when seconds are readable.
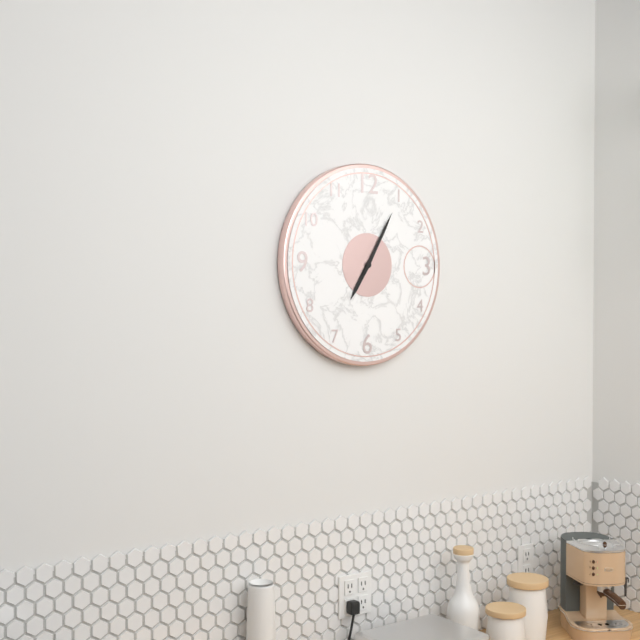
7.05
